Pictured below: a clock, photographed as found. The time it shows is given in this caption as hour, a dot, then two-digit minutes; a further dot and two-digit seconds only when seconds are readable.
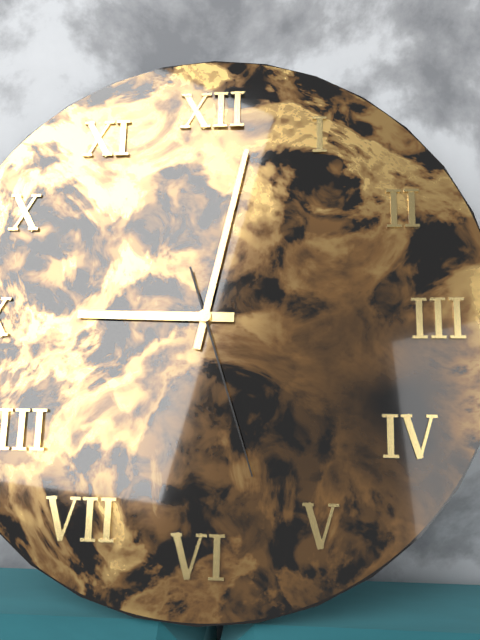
9.02.27
